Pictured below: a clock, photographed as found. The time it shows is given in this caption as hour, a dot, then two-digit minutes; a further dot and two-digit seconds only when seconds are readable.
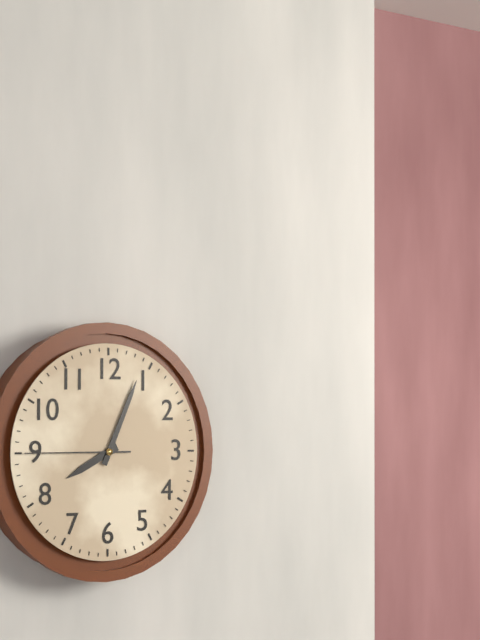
8.04.45
